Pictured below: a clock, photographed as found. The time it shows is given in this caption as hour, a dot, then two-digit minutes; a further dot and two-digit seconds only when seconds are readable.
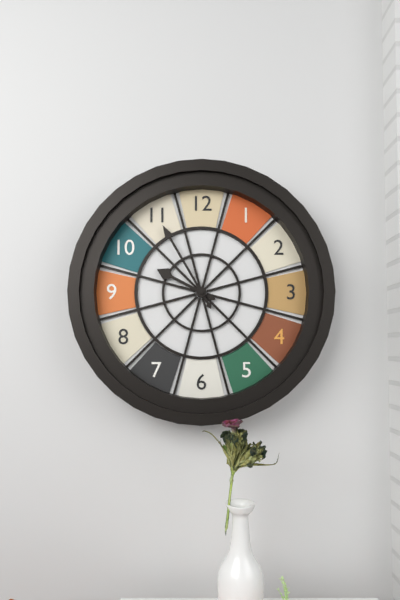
9.55
